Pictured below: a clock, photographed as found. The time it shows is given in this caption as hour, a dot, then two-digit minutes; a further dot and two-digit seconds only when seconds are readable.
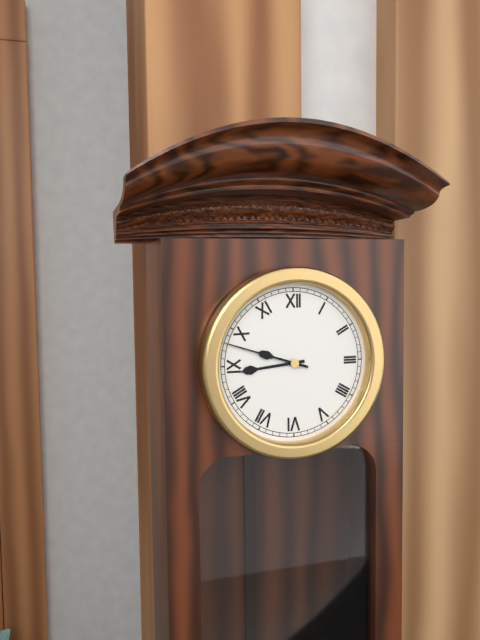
8.48
